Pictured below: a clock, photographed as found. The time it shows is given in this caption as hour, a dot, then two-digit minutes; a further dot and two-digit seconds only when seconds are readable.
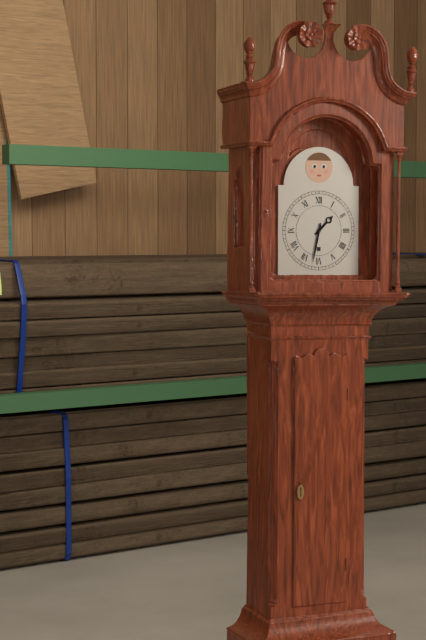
1.32
